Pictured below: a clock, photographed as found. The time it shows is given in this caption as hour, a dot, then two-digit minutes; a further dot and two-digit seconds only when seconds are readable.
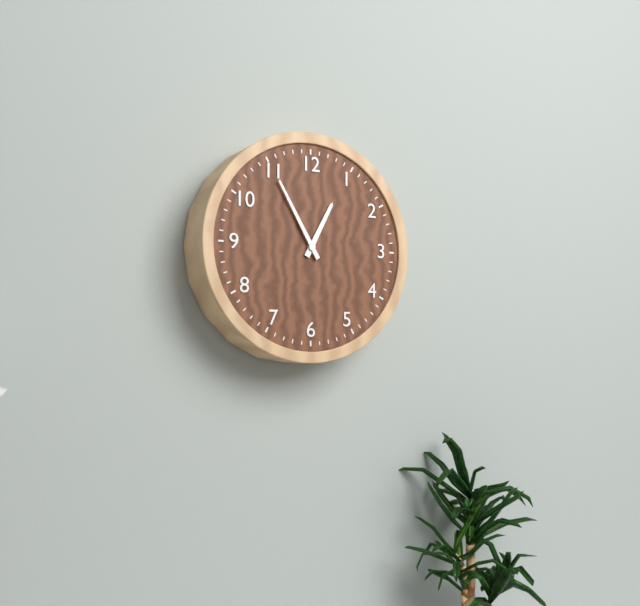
12.55
